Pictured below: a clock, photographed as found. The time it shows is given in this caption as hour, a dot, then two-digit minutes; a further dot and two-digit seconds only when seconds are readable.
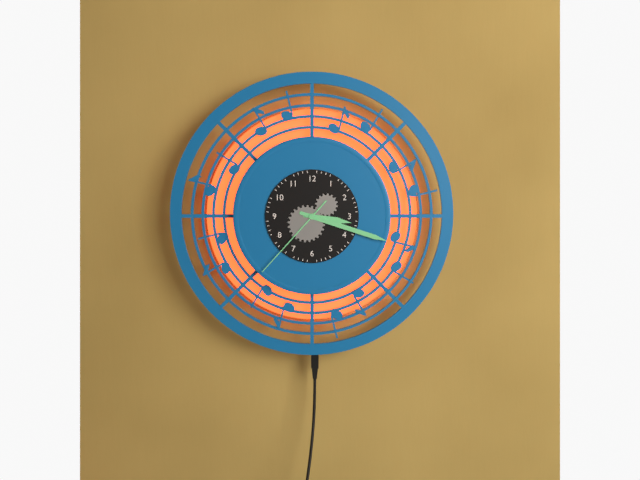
3.18.37
